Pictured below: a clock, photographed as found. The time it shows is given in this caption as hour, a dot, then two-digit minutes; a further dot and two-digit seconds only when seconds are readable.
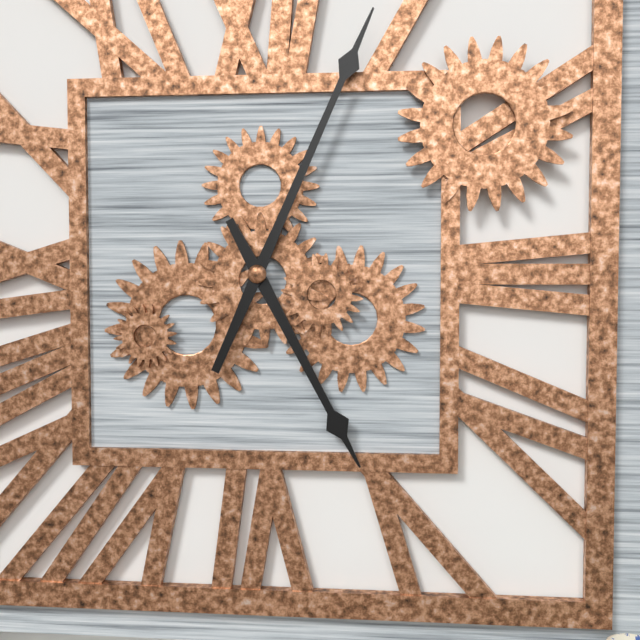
5.04
